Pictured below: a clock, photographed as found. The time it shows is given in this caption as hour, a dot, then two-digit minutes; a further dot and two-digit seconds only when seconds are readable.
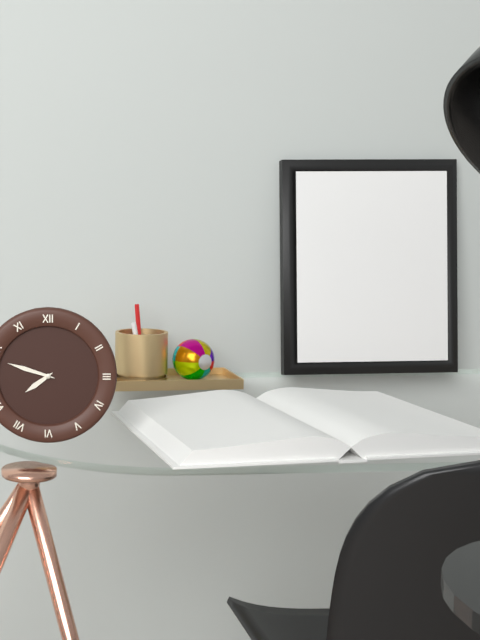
7.48
